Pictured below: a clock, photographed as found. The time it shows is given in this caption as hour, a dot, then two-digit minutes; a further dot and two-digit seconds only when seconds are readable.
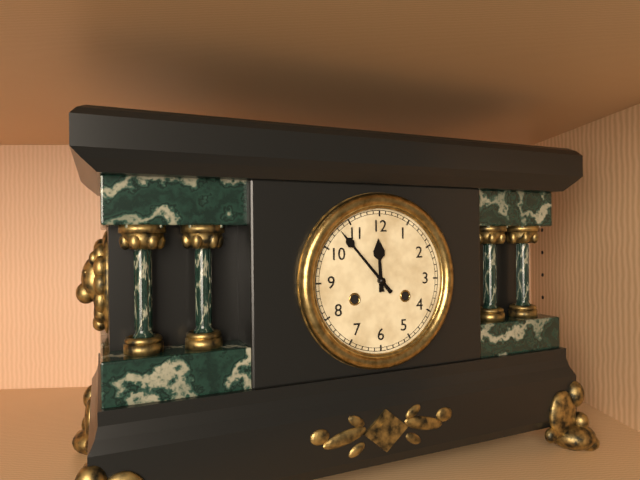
11.53
